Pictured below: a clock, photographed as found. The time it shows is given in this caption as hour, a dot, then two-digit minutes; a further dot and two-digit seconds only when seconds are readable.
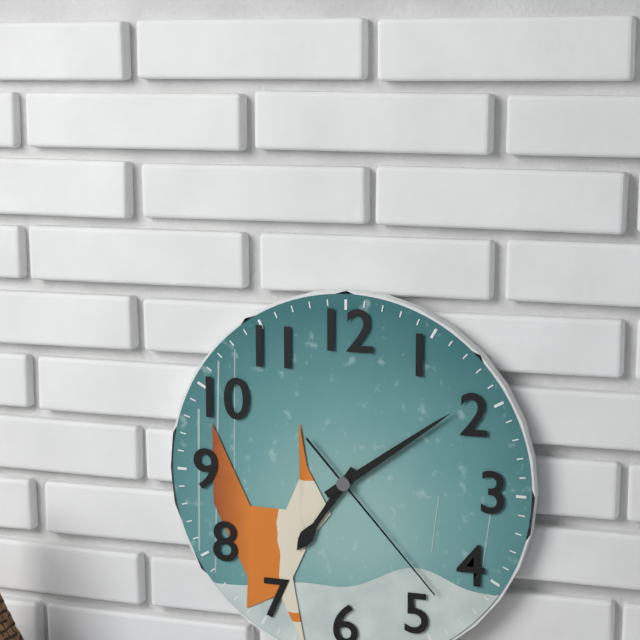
7.09.23
